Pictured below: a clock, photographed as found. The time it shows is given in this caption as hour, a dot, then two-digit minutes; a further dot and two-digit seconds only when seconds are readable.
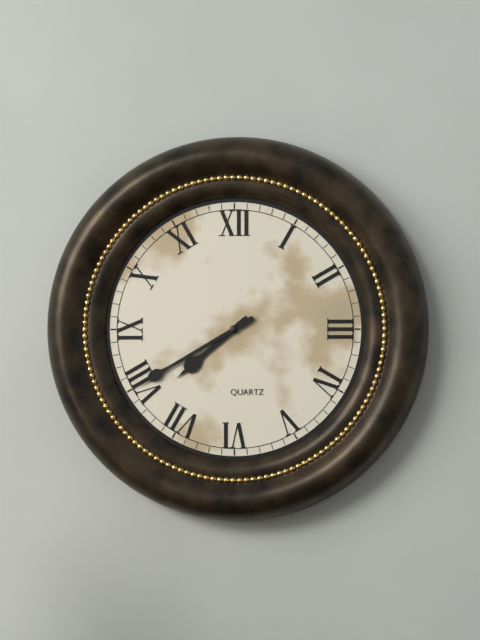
7.40
